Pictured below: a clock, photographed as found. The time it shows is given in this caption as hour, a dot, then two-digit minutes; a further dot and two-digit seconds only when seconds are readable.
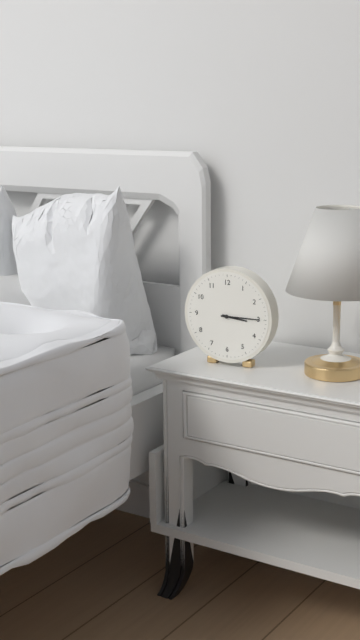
3.15
